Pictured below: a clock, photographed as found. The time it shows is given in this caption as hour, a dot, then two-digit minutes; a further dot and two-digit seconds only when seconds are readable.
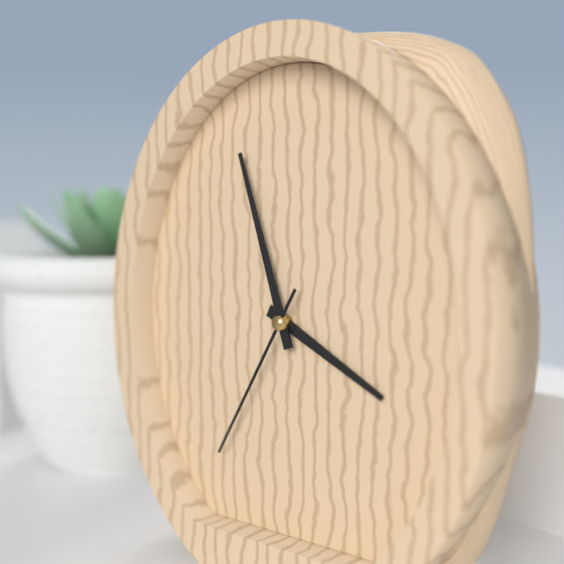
3.57.35
